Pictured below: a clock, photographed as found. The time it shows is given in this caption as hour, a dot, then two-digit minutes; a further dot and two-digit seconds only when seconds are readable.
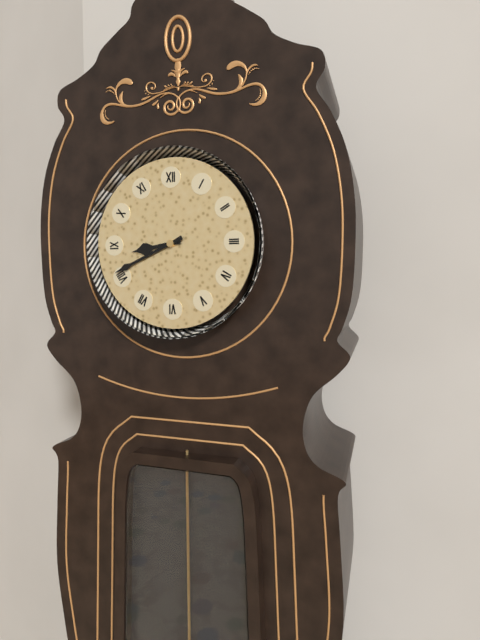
8.41
